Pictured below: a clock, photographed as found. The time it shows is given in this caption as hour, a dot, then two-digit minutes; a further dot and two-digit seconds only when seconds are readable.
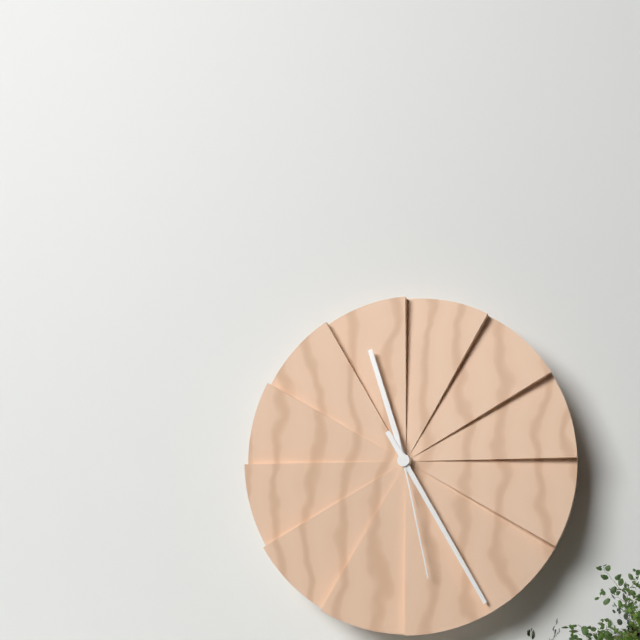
11.25.28
